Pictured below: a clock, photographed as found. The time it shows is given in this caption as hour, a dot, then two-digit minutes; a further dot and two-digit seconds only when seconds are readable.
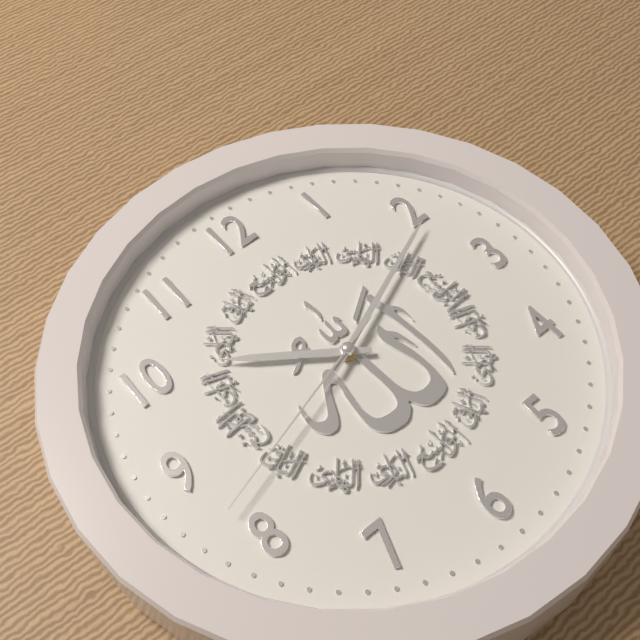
10.11.42
